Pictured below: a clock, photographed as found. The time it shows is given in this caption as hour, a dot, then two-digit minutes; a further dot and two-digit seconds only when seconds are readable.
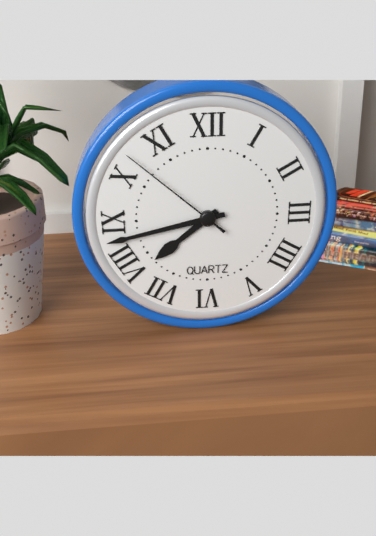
7.43.52
